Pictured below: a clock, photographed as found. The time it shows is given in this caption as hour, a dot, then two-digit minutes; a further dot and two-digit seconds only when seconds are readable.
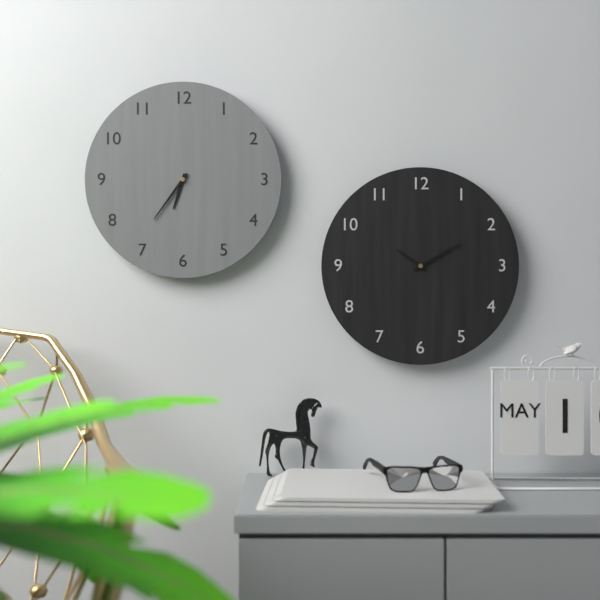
6.36
